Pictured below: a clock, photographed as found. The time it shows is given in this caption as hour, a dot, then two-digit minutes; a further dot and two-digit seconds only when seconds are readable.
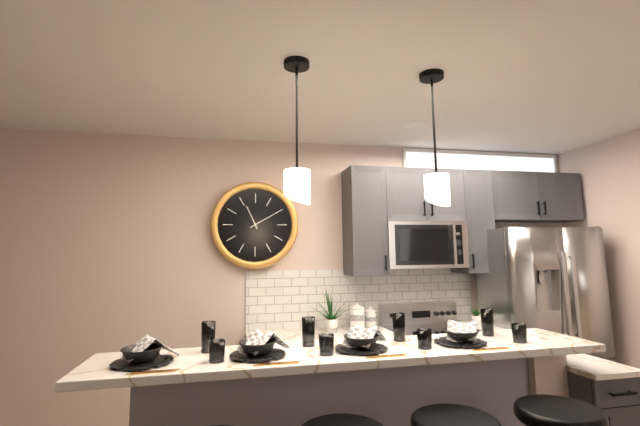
11.10
